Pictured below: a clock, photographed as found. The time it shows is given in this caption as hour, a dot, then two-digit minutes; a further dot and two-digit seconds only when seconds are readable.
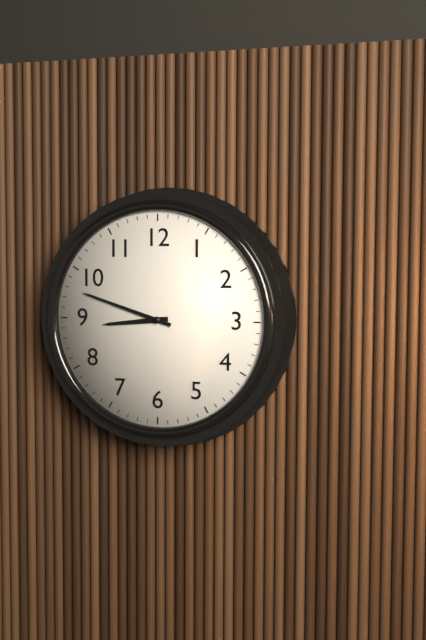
8.48
